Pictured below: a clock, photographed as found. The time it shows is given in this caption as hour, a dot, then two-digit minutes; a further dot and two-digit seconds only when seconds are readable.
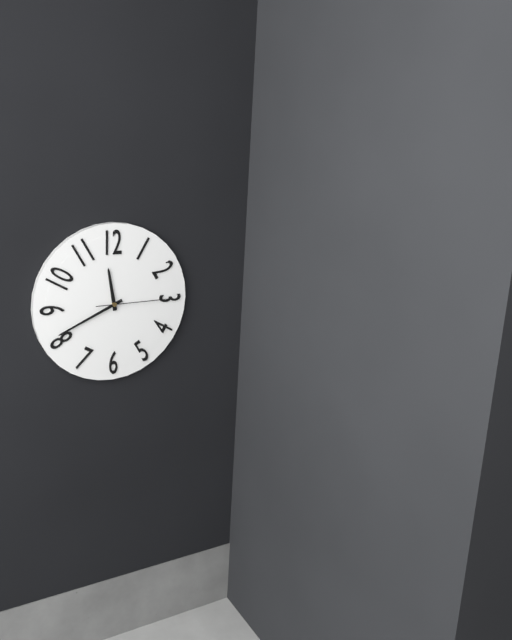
11.41.15
